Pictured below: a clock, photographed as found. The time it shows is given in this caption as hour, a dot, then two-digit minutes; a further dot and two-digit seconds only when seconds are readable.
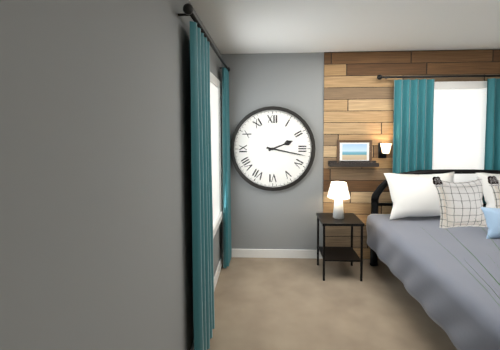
2.17
